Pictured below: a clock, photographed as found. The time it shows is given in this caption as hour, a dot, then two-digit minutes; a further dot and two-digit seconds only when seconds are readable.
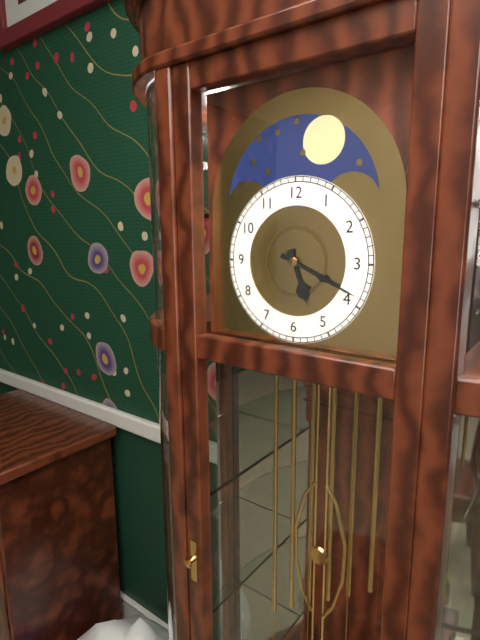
5.19
